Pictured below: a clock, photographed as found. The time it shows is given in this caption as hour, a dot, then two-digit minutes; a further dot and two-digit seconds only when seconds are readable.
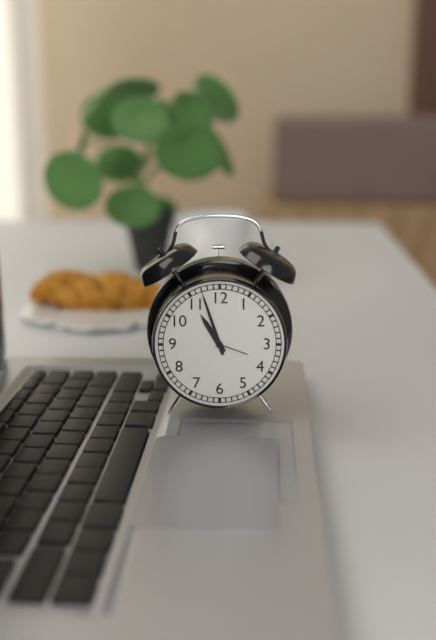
10.57
